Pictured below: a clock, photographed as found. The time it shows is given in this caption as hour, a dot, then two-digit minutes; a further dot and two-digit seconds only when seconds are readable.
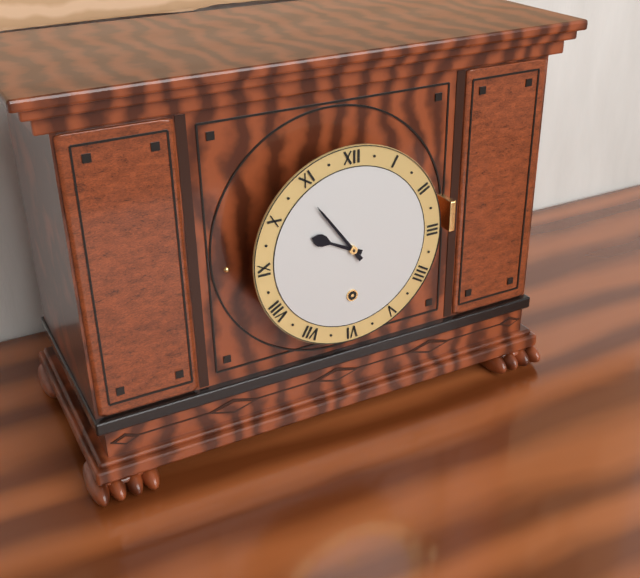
9.54
